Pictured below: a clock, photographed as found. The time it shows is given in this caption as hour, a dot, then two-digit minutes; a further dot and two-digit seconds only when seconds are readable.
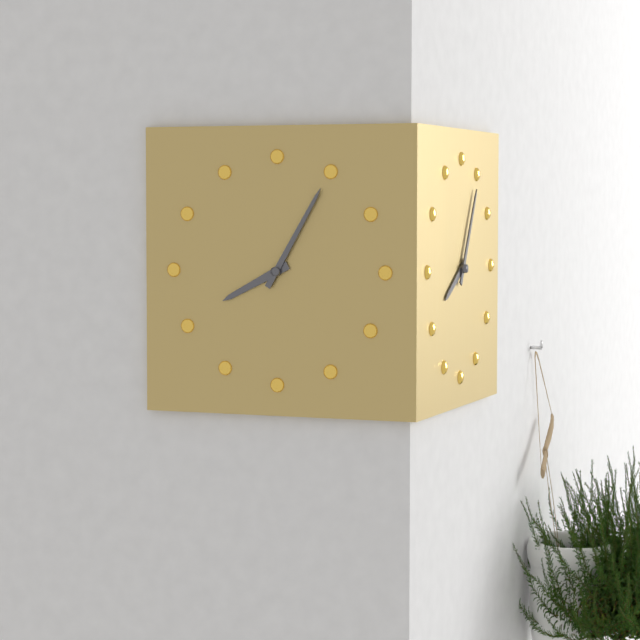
8.05
